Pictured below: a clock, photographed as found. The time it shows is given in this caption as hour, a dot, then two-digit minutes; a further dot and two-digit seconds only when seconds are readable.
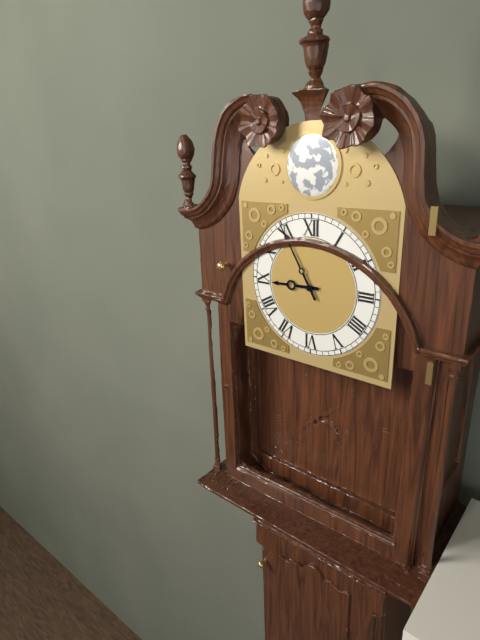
8.55
